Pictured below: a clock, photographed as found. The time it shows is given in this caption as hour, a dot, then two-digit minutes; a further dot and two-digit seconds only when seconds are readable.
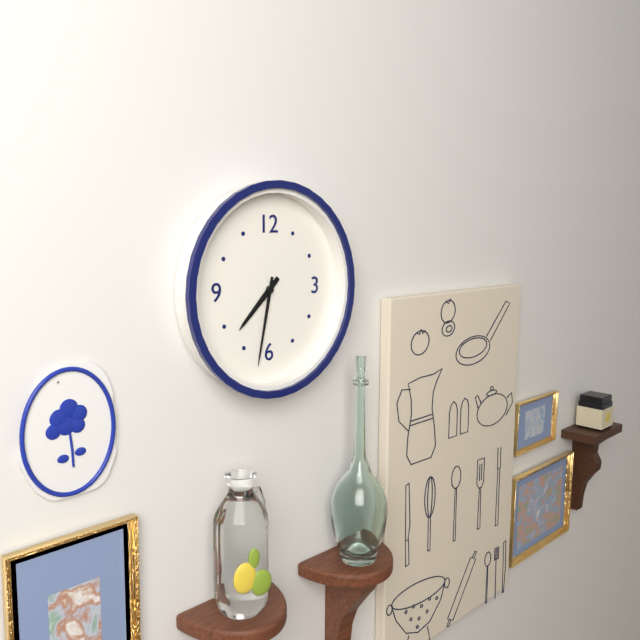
7.32
